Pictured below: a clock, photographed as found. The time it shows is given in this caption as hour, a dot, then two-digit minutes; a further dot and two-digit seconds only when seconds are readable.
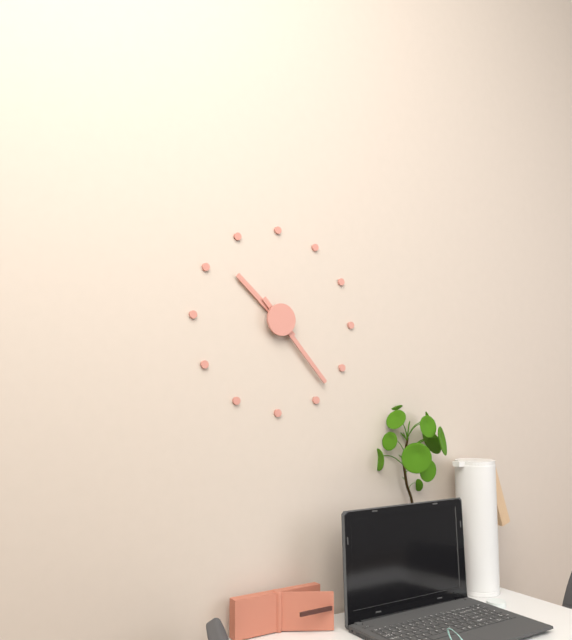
10.23
